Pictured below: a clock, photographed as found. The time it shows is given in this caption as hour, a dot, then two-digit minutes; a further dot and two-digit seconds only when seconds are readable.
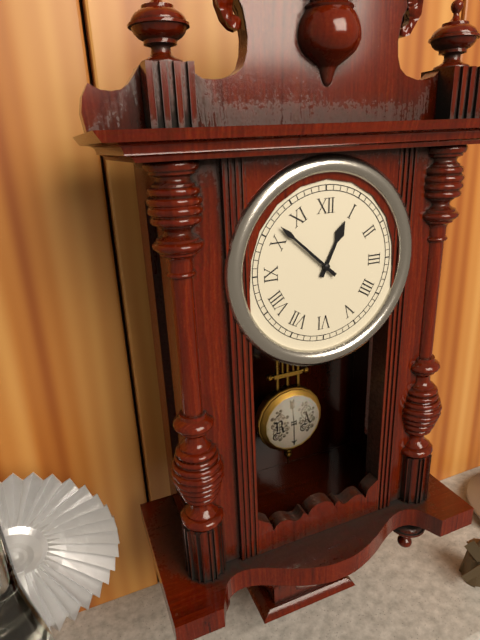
12.52
